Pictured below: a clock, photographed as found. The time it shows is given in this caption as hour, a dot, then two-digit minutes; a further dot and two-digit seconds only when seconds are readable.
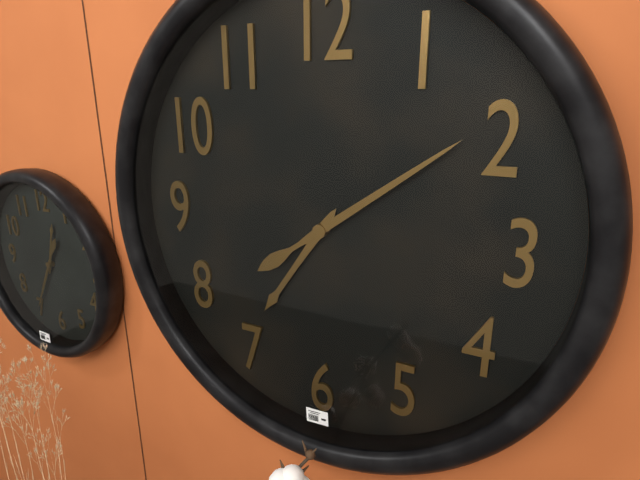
7.09
